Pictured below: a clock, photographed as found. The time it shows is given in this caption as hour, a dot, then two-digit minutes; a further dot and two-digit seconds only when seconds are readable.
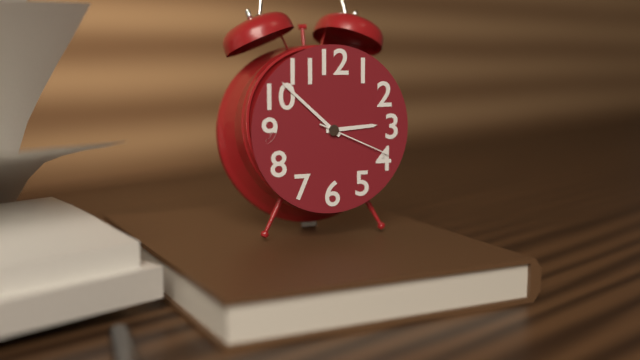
2.52.19
